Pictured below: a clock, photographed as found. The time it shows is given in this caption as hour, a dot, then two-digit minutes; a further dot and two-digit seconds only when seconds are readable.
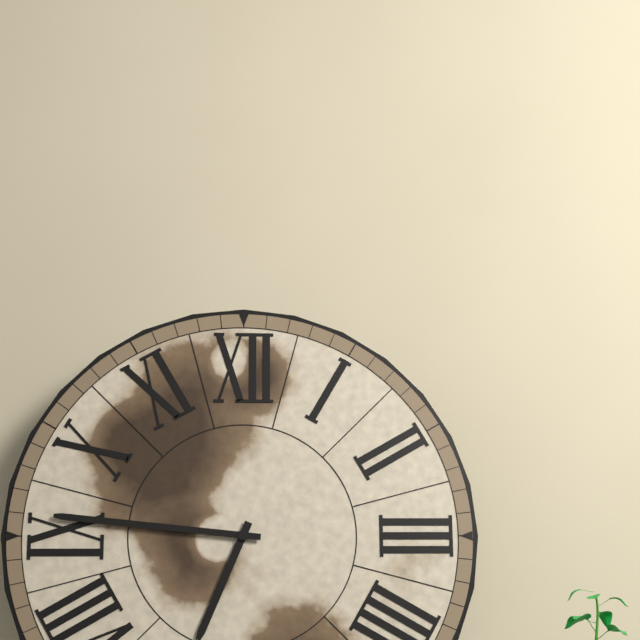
6.46
